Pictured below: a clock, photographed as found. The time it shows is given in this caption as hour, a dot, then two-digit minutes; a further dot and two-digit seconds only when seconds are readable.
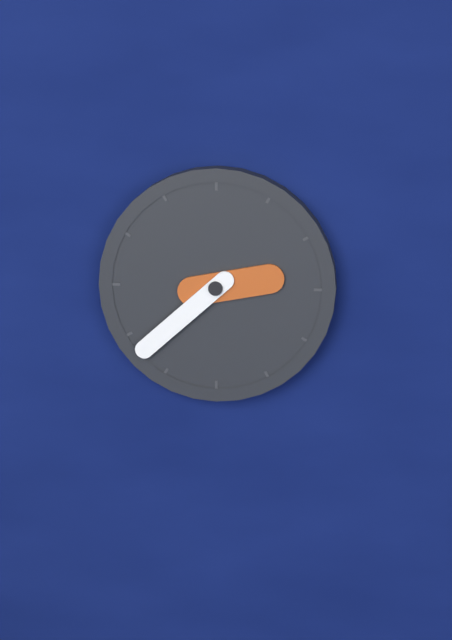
2.38
